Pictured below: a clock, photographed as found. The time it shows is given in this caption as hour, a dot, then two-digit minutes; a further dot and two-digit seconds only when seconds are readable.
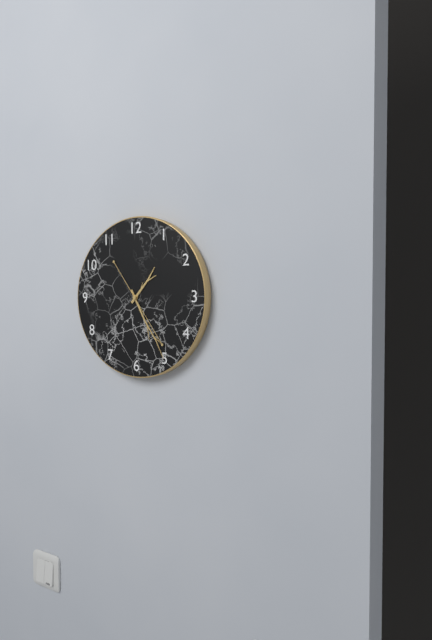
1.25.24
